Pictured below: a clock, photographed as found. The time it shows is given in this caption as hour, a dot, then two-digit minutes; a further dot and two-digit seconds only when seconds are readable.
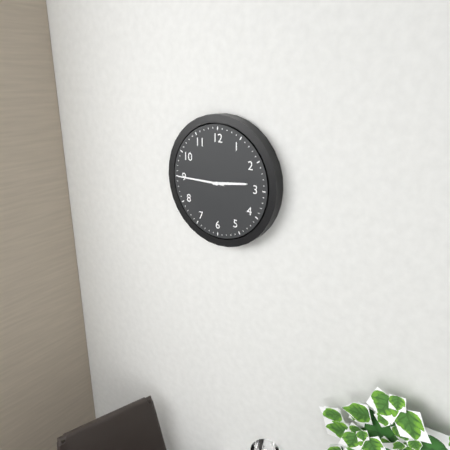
2.45
